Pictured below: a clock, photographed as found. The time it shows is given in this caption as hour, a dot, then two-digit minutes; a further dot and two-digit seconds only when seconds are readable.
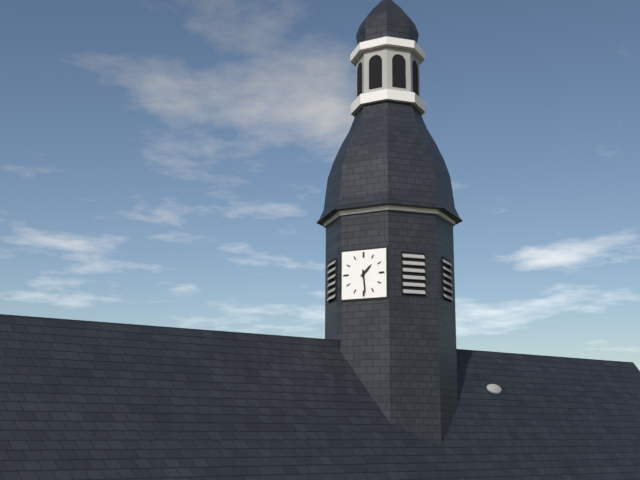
1.29
